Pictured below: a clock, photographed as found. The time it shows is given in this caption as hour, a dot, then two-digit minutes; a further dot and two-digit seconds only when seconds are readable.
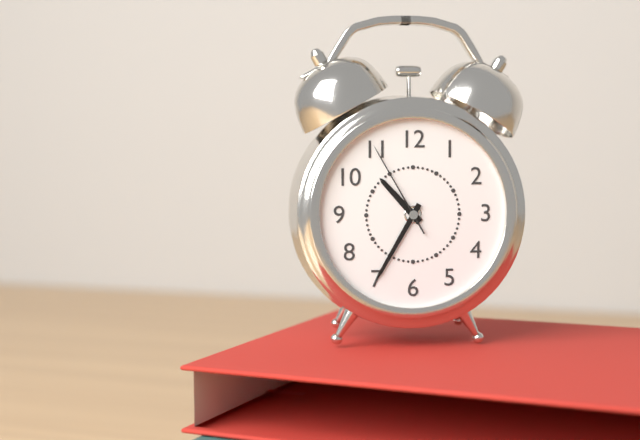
10.35.55
